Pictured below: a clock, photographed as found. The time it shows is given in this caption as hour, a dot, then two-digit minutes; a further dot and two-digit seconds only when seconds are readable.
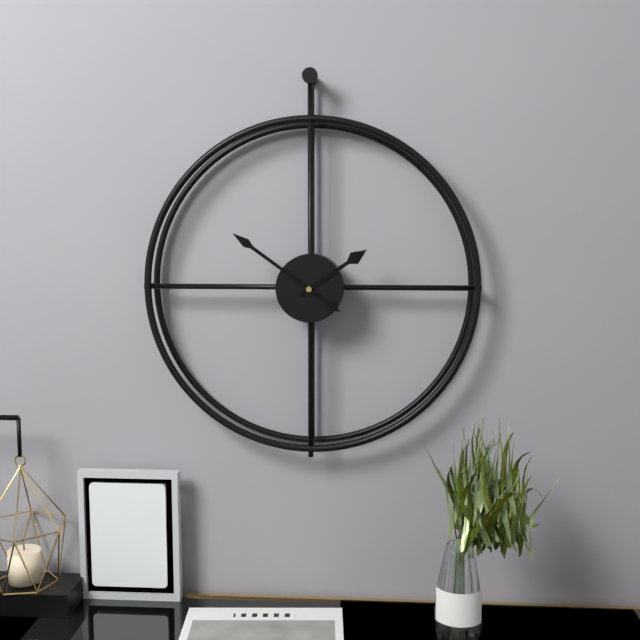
1.51
